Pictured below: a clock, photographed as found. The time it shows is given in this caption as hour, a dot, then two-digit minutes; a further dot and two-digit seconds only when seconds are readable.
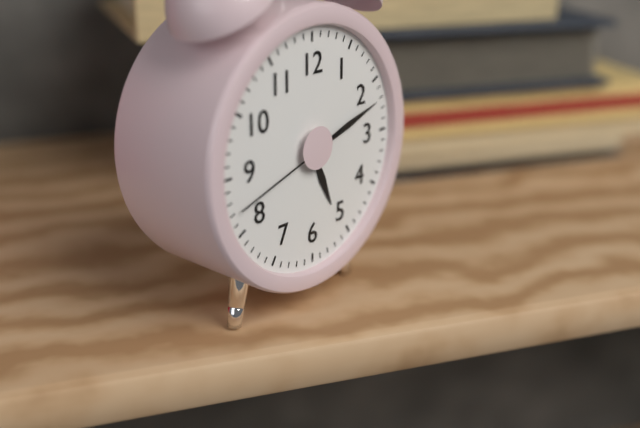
5.12.42
